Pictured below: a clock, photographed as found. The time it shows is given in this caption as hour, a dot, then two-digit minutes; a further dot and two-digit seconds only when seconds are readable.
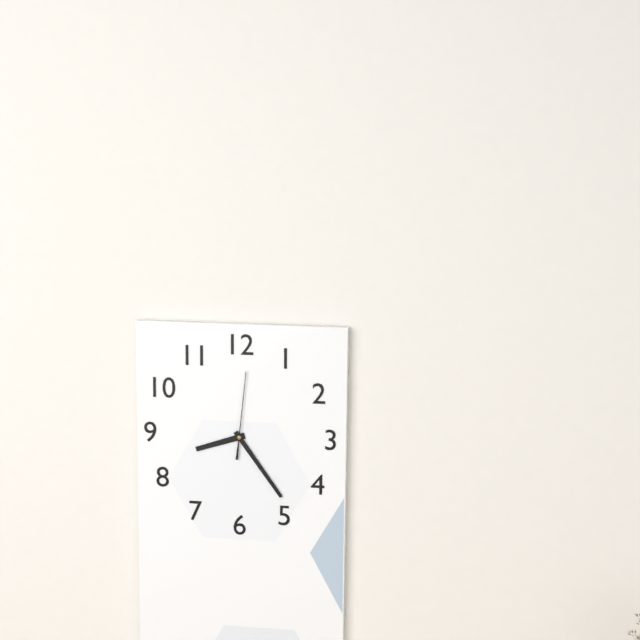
8.24.01
